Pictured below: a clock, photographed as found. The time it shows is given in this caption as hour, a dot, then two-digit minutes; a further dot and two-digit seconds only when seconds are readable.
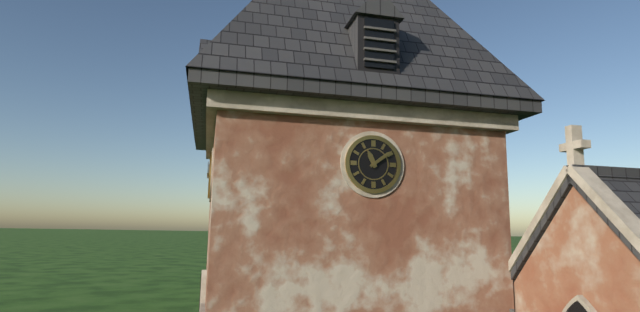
11.09
